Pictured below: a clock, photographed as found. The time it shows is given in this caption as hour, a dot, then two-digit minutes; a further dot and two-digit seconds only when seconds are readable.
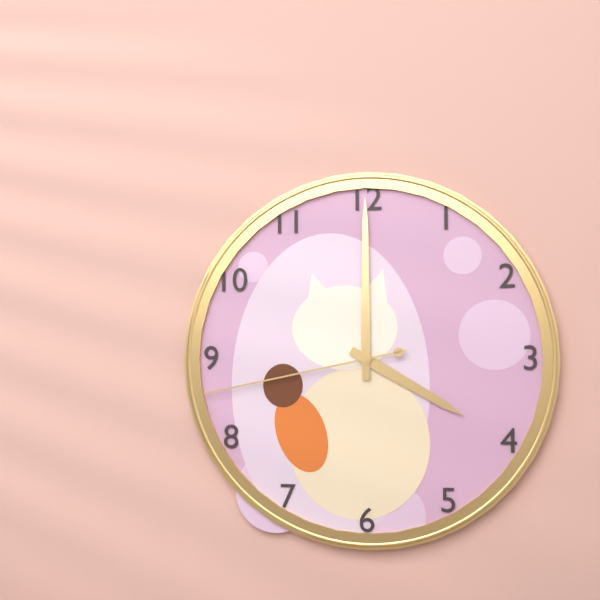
4.00.43
